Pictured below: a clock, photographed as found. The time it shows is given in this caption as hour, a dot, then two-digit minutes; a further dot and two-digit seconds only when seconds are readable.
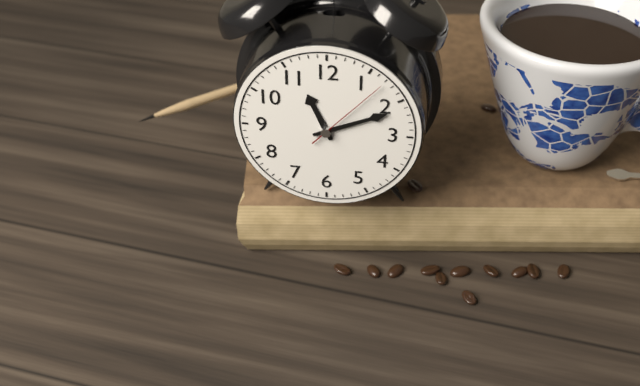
11.11.07
